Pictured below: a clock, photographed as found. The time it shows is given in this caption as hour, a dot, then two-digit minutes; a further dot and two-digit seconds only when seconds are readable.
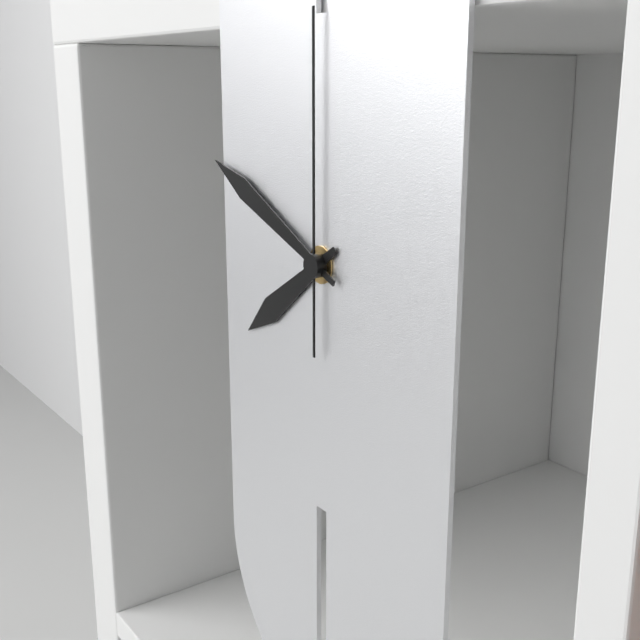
7.49.00
